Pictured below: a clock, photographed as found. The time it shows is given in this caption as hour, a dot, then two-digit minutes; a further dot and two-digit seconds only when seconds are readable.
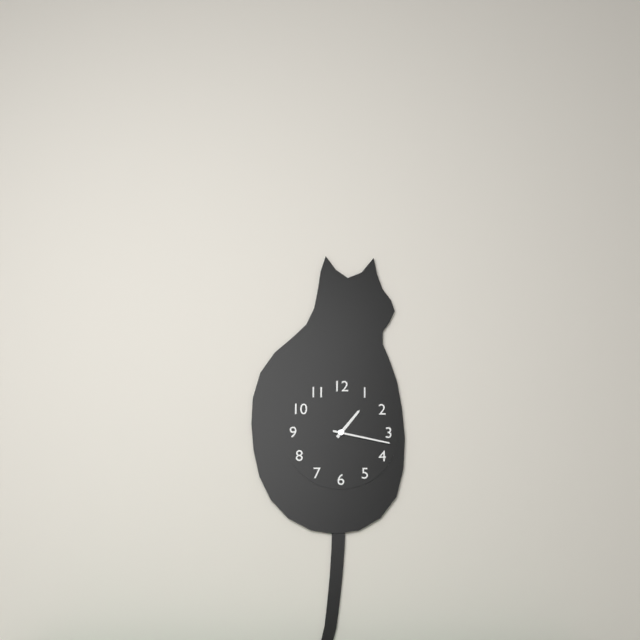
1.17
